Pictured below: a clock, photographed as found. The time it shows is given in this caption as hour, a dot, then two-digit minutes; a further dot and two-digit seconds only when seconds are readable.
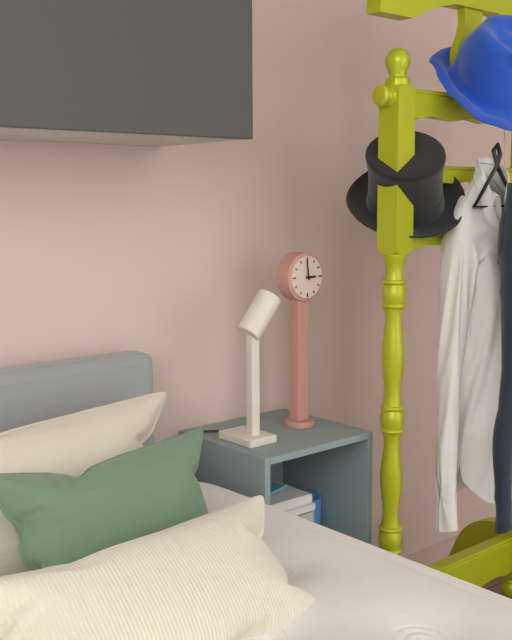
2.59
